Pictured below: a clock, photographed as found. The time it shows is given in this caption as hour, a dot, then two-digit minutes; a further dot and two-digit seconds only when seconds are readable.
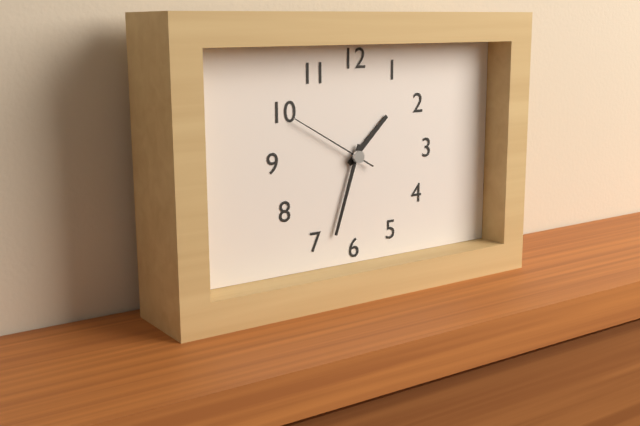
1.33.50
